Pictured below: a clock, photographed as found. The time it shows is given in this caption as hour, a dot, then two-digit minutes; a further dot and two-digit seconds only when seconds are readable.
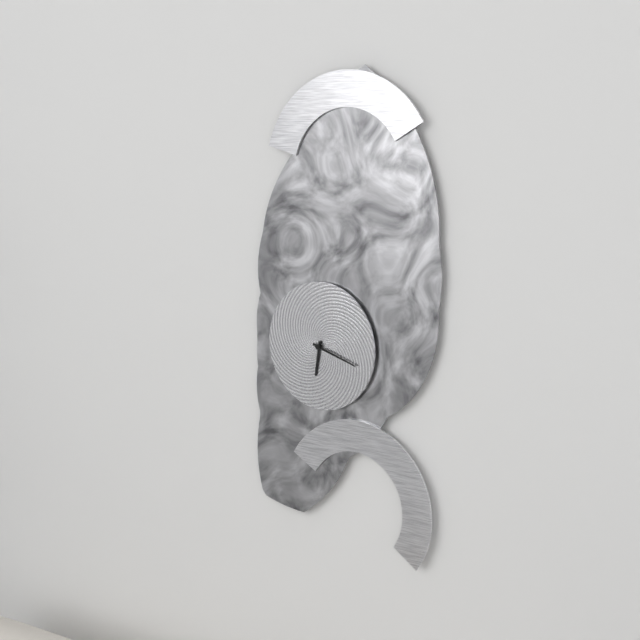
6.18
